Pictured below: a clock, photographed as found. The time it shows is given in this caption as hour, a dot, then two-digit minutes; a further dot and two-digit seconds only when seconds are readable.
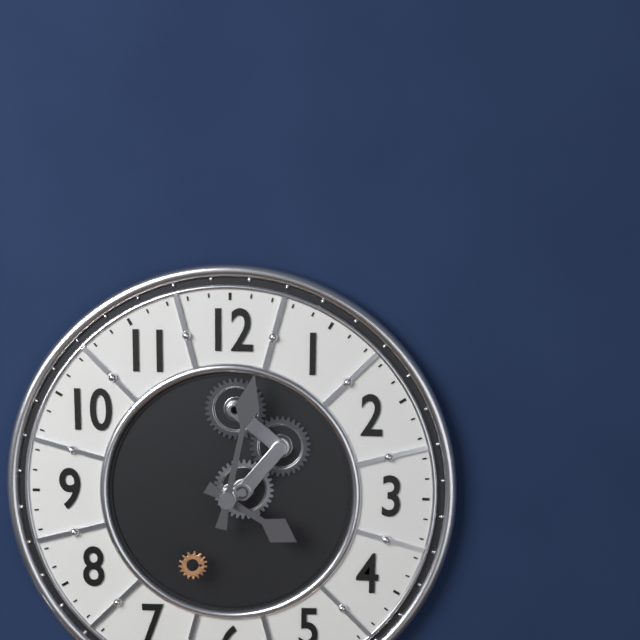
4.02
